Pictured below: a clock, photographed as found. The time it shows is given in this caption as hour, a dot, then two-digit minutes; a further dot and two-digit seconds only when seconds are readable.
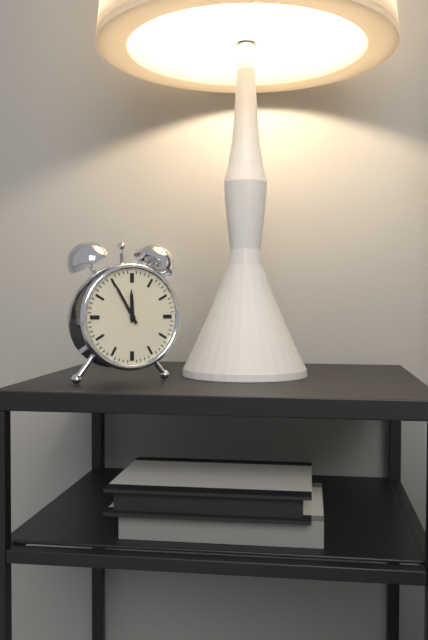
11.55
